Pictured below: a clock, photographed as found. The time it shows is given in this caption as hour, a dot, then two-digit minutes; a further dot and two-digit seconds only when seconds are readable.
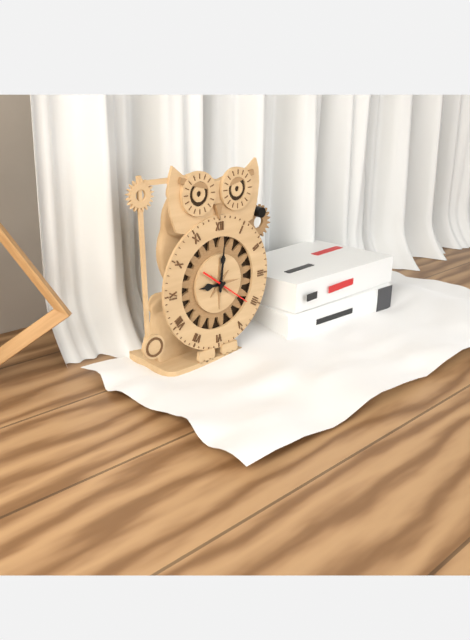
9.01.21
